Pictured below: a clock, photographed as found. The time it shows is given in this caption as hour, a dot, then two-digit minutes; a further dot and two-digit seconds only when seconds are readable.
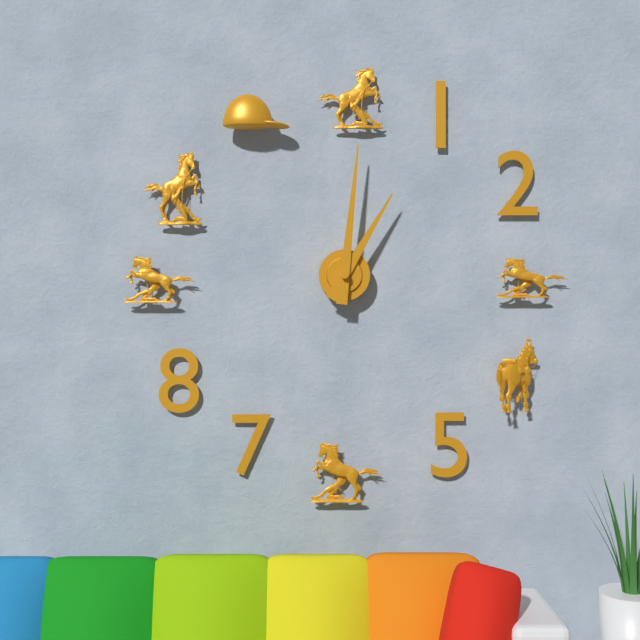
1.01
